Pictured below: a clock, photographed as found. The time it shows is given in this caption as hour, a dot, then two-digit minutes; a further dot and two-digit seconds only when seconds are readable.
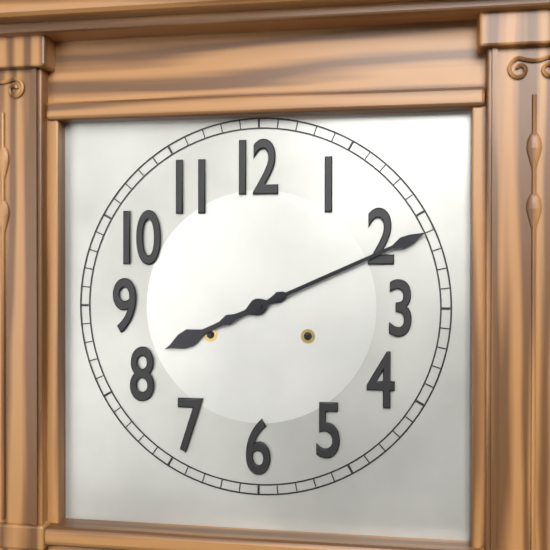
8.11
